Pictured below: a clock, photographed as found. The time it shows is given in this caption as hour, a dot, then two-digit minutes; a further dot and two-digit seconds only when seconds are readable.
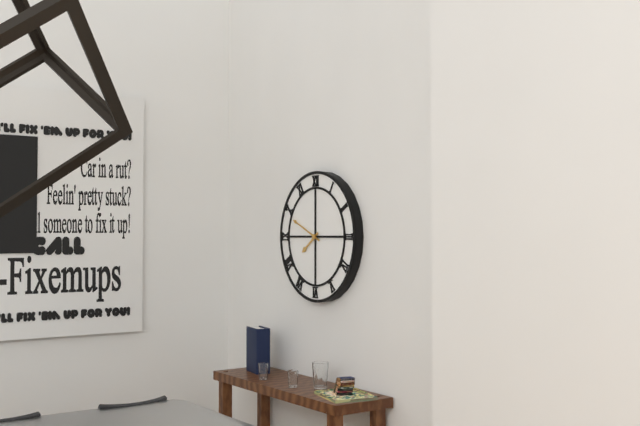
7.49
